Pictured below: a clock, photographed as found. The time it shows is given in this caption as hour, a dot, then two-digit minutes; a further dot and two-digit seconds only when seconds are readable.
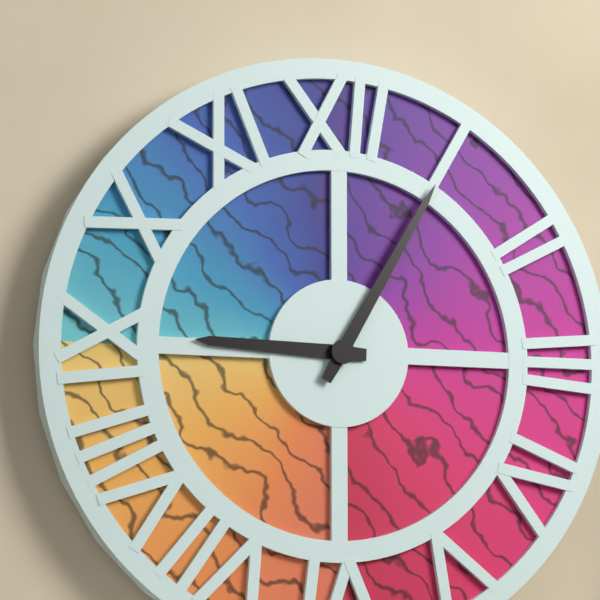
9.05
